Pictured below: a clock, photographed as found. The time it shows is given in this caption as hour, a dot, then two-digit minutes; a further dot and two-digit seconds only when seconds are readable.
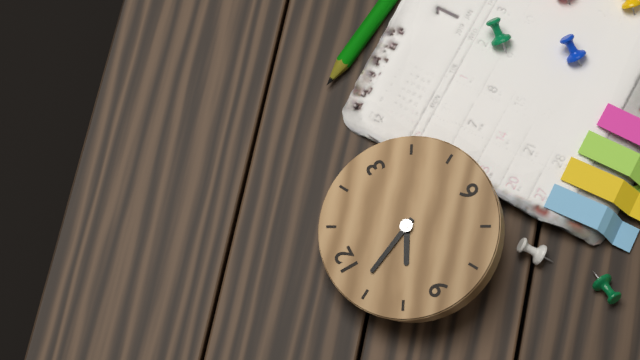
9.56
